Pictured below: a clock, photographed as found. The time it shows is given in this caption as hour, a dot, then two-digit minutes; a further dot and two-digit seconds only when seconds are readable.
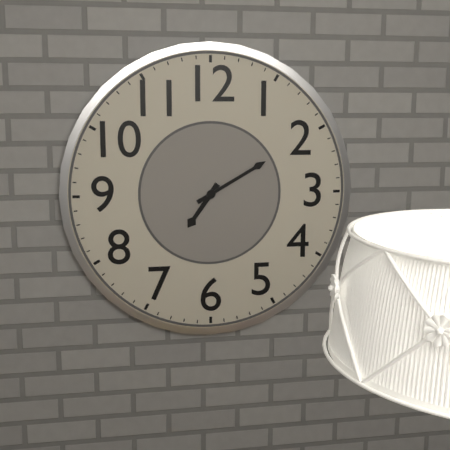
7.10
